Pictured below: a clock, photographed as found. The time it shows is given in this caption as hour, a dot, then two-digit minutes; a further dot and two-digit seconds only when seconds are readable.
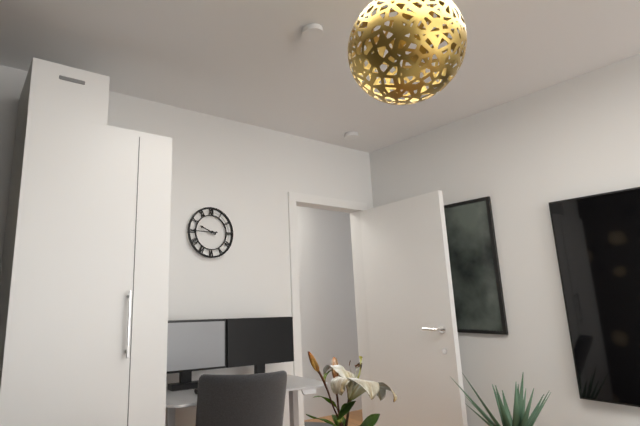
9.45
